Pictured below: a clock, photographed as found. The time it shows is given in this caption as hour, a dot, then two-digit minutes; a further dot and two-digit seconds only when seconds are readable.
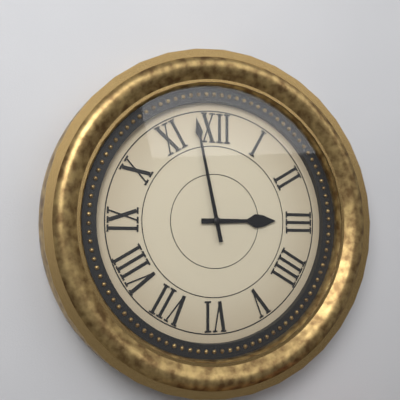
2.58
